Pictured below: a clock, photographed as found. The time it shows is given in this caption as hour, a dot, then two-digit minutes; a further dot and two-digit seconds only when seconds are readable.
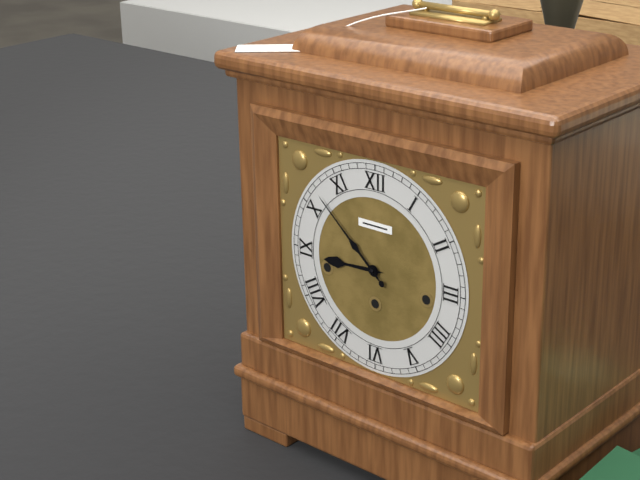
8.52
